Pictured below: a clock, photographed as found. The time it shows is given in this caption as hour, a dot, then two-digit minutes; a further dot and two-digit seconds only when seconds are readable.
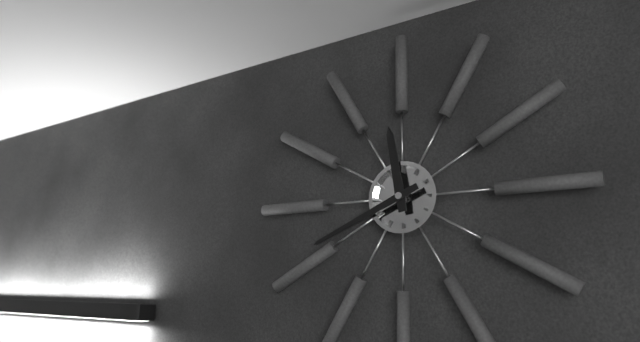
11.41
